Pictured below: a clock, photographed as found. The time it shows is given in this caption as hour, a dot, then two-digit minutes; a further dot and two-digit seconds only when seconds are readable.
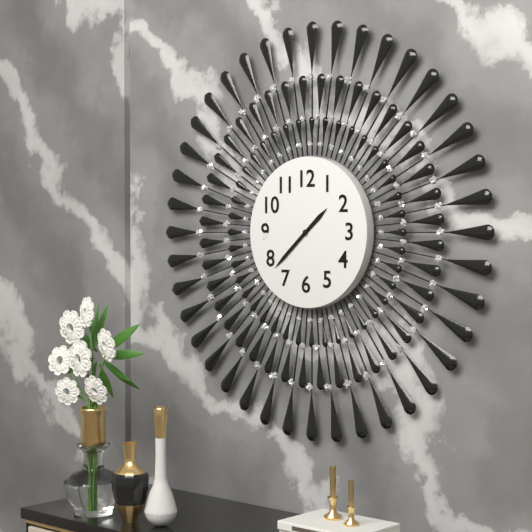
1.38
